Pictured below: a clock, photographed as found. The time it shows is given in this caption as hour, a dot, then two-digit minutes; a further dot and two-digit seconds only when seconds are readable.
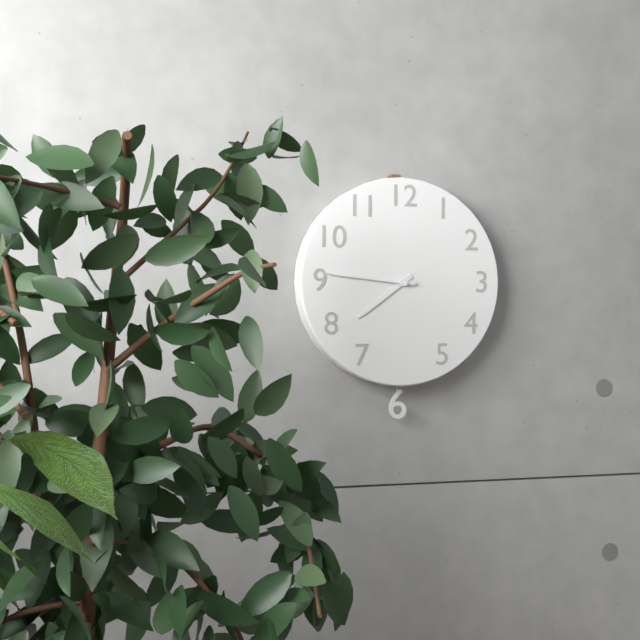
7.46
